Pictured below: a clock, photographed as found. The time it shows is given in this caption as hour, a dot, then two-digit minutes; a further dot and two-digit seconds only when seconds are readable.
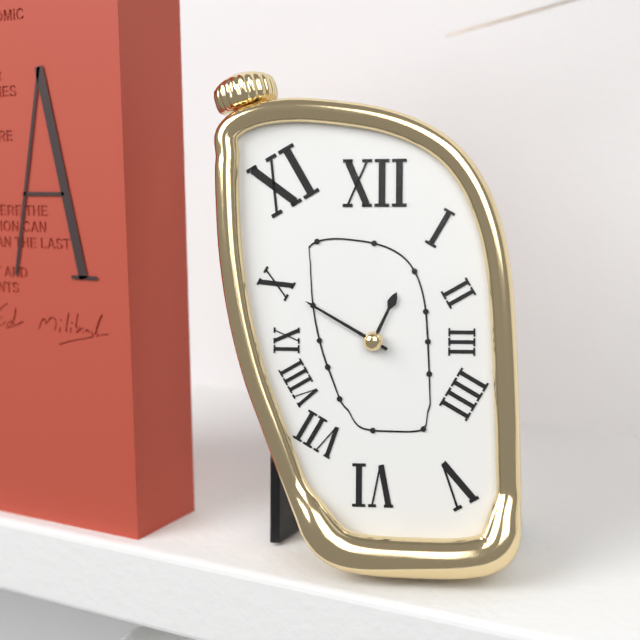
12.50
